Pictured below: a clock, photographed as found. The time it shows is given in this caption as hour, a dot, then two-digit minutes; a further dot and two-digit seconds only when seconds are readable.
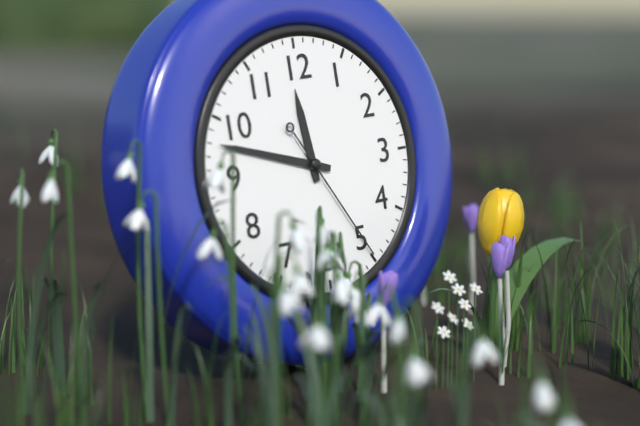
11.48.25
